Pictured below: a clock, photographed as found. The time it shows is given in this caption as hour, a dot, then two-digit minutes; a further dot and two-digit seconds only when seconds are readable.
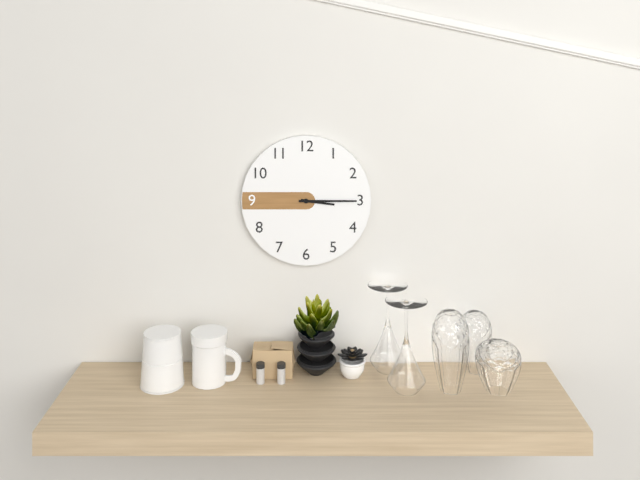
3.15
